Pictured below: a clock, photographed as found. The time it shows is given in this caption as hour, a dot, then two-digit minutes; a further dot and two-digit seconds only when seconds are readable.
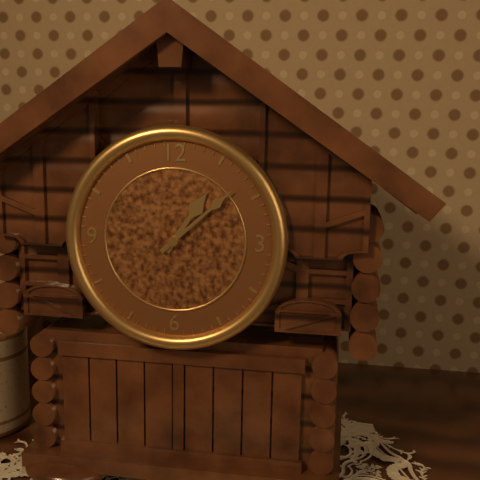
1.08
